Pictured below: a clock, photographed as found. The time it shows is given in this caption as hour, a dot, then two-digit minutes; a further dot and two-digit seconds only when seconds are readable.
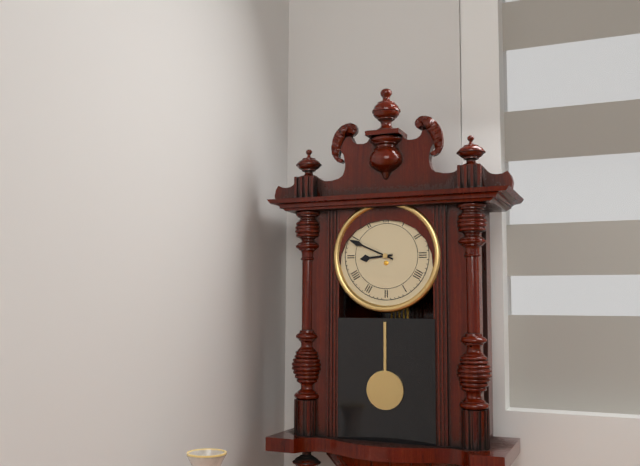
8.49
